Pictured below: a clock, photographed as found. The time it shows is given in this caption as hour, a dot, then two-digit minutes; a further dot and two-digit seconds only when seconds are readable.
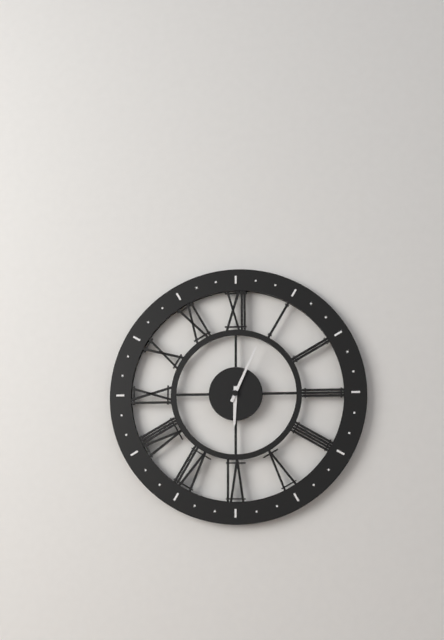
6.04
